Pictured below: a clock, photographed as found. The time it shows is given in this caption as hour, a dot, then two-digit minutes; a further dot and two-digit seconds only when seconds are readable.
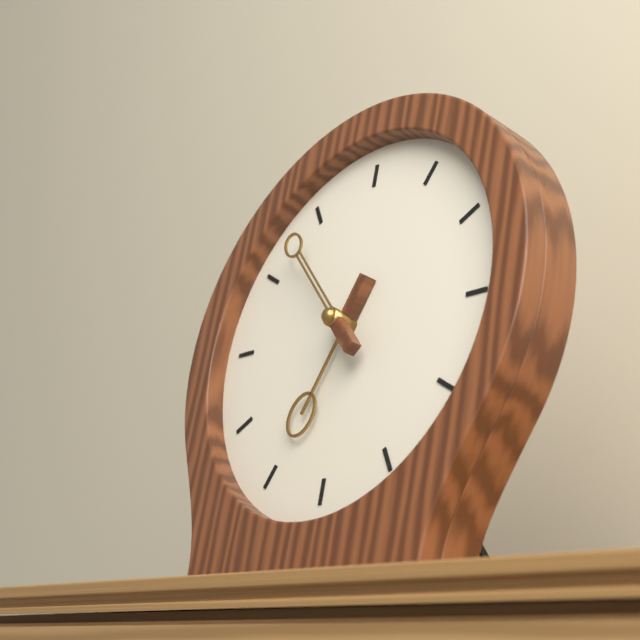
6.53
